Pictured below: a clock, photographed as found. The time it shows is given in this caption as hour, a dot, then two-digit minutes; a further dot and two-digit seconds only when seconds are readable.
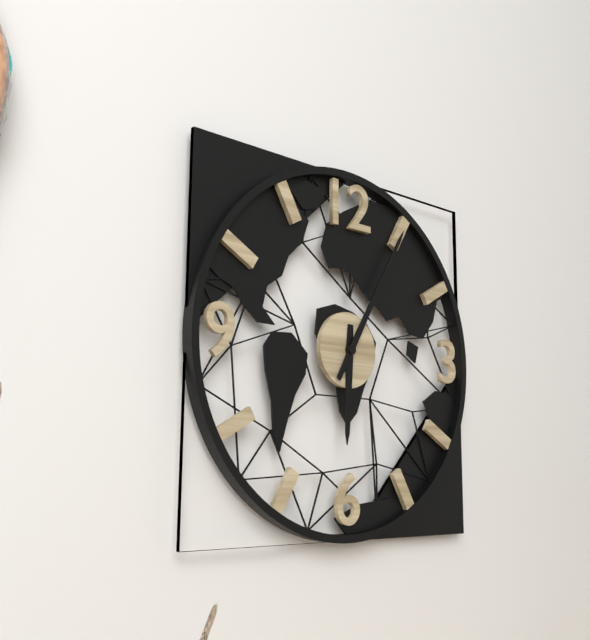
6.05
